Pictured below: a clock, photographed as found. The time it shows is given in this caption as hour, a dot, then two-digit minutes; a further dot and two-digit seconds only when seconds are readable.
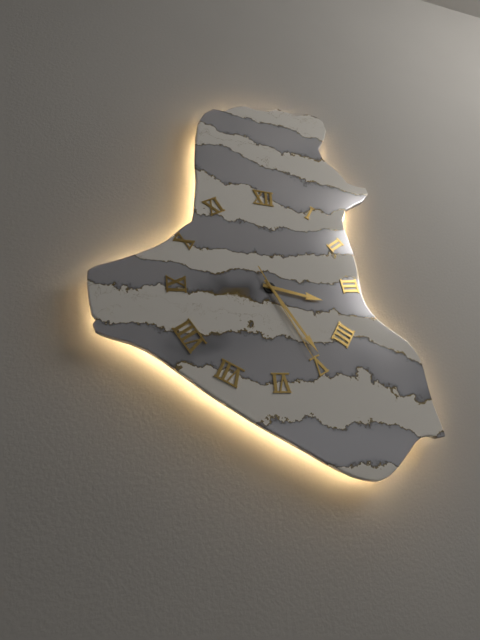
3.25.26
